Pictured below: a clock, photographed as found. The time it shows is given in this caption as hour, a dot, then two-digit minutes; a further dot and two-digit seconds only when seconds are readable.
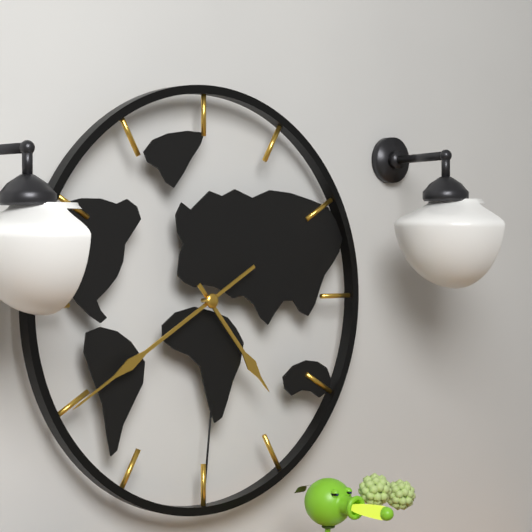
4.40
